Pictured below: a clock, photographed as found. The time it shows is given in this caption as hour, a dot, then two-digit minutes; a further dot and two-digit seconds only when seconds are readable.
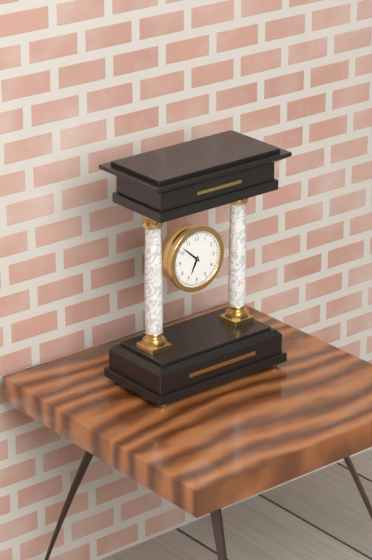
6.52
